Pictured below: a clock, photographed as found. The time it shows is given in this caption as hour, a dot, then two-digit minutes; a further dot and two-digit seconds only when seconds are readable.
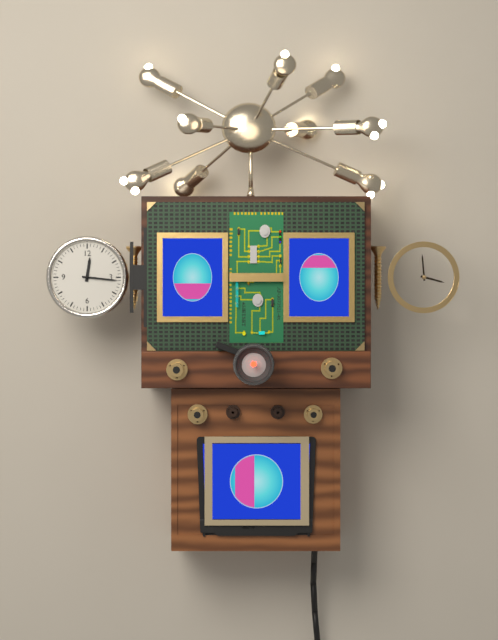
12.16
